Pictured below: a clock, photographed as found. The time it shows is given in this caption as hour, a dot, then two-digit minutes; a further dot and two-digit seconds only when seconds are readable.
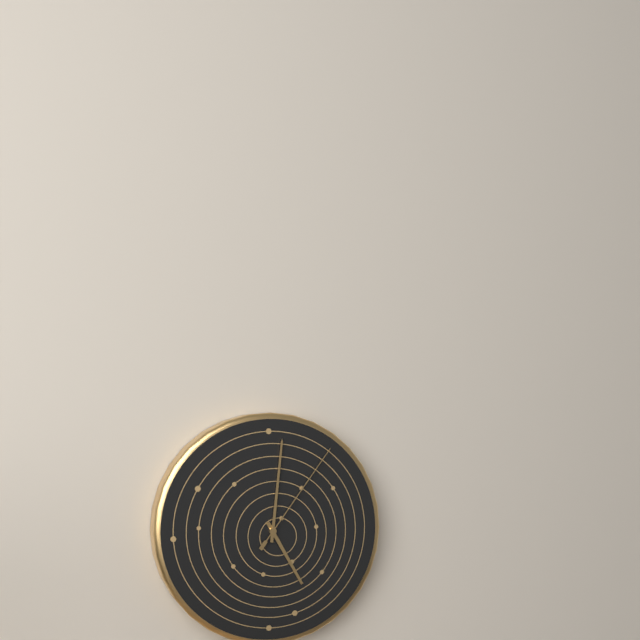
5.01.06
